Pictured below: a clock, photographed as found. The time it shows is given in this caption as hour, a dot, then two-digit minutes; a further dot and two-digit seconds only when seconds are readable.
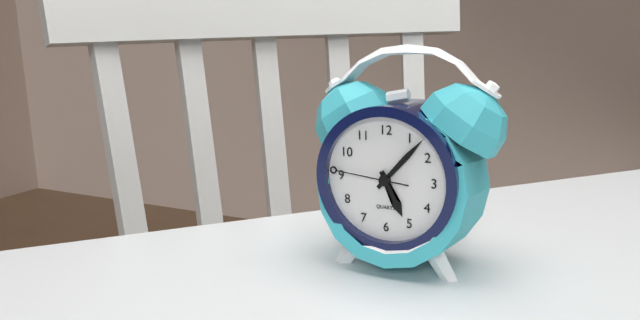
5.07.46
